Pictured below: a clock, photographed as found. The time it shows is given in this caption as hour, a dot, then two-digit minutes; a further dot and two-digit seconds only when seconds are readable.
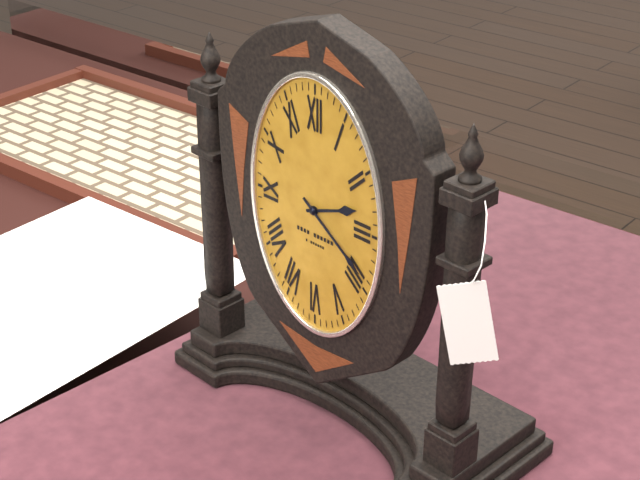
2.21
